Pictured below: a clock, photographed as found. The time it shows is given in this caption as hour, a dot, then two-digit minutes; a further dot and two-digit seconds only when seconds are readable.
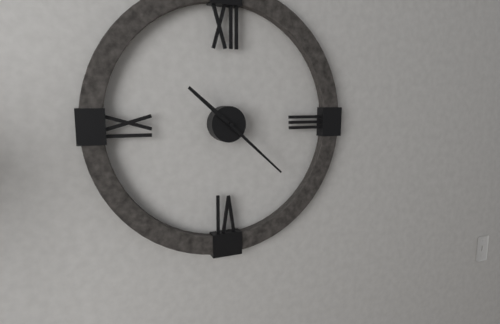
10.22
